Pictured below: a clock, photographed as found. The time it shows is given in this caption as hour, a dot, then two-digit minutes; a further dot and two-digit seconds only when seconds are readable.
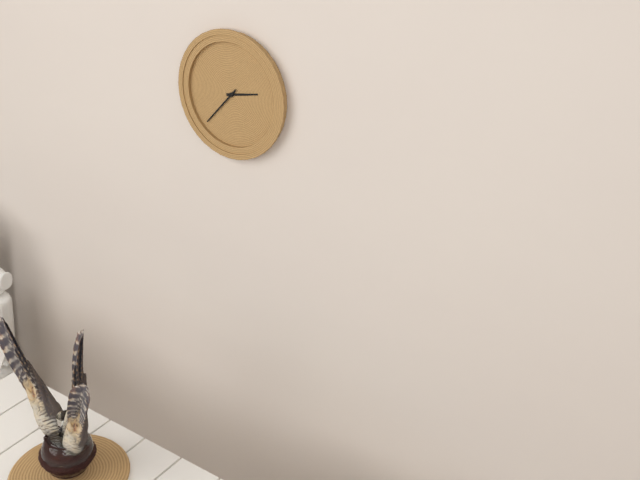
2.37
